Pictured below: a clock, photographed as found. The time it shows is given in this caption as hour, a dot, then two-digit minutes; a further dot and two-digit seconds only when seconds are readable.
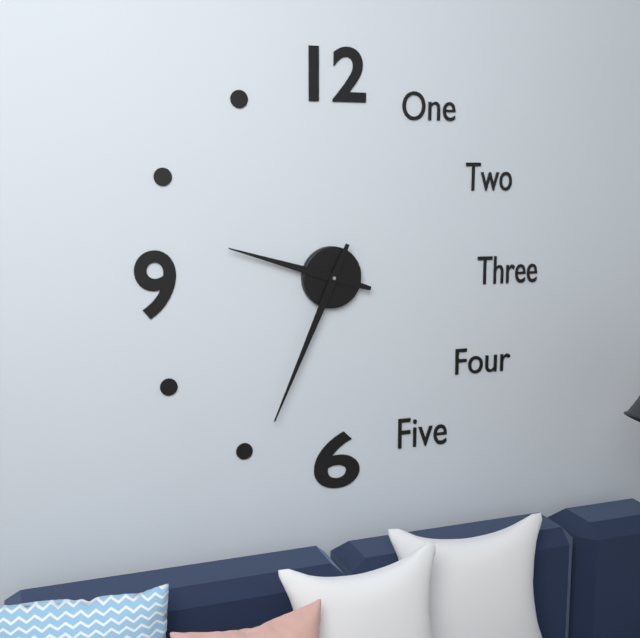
9.34
